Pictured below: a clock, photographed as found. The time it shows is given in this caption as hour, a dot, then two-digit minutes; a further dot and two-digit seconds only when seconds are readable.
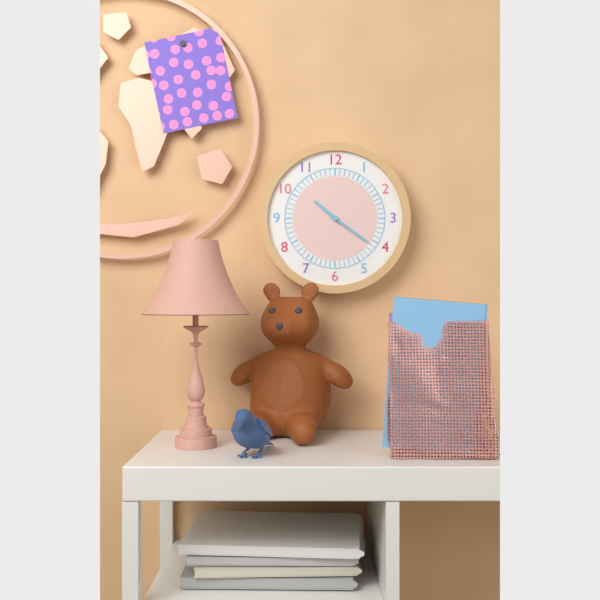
10.21
